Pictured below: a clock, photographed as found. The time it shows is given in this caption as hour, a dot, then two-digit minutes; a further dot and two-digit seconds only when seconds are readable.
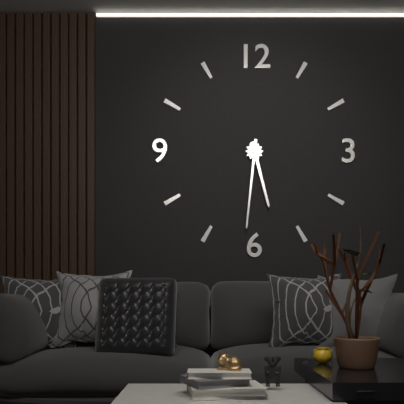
5.31
